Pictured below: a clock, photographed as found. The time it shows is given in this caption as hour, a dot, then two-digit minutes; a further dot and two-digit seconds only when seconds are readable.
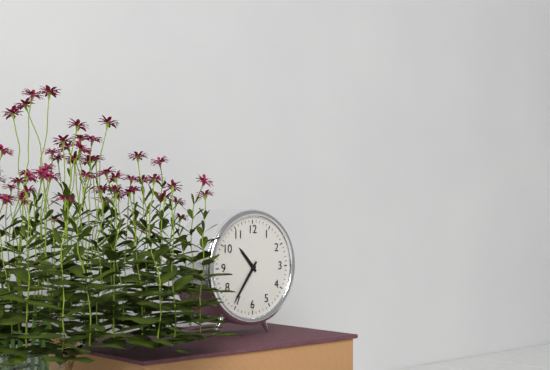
10.36
